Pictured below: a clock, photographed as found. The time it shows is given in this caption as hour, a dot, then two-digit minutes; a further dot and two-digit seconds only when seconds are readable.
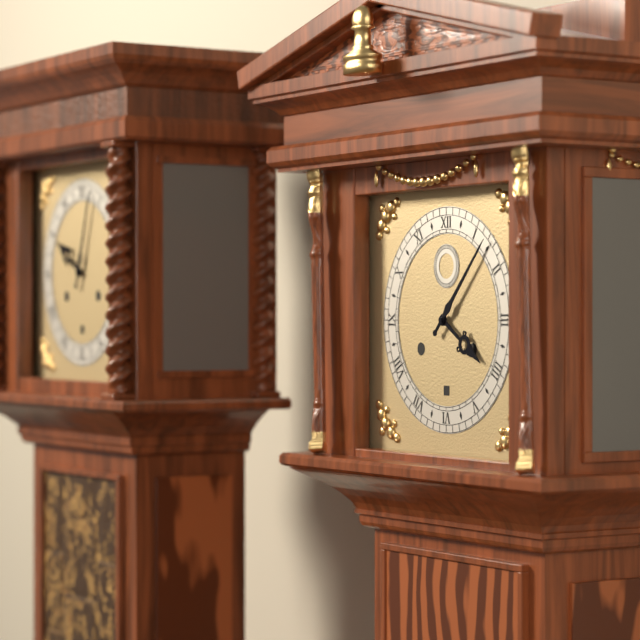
4.07
